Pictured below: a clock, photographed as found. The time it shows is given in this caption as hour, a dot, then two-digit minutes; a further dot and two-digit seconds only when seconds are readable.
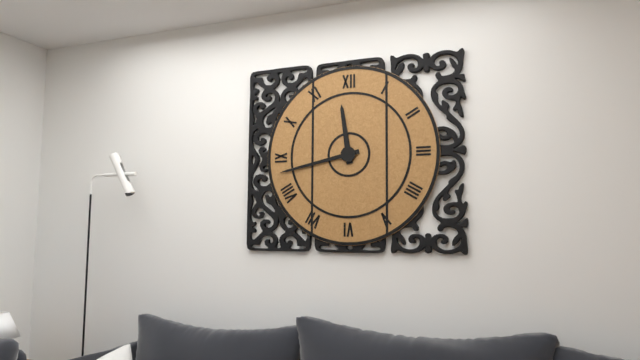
11.43
